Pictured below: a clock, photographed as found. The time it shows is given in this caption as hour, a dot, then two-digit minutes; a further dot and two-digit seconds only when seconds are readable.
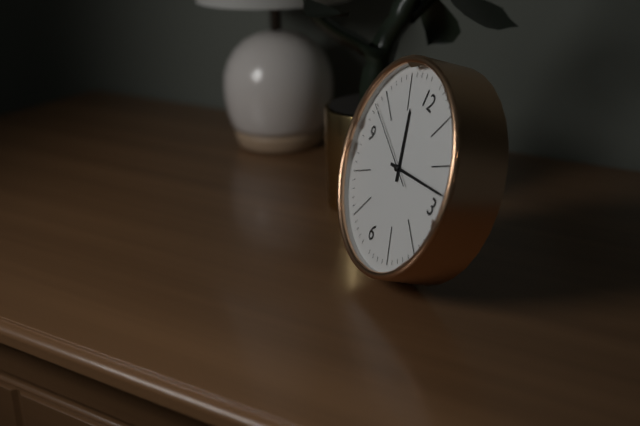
11.13.48
